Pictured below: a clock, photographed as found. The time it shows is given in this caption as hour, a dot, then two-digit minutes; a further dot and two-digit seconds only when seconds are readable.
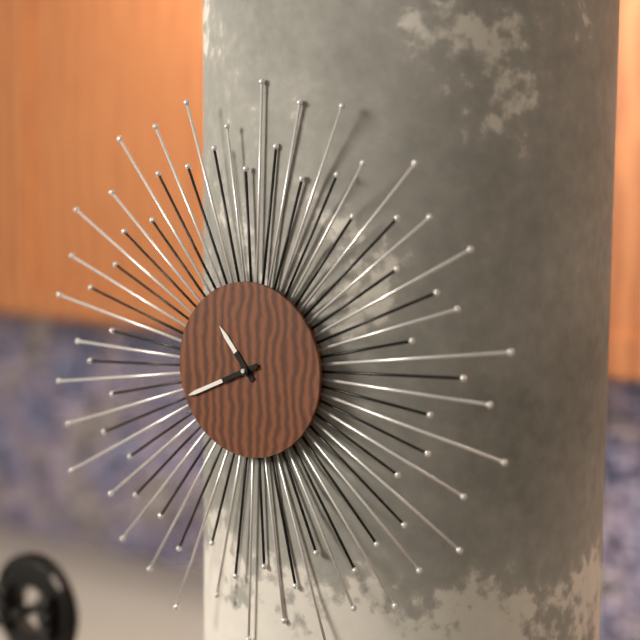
10.41
